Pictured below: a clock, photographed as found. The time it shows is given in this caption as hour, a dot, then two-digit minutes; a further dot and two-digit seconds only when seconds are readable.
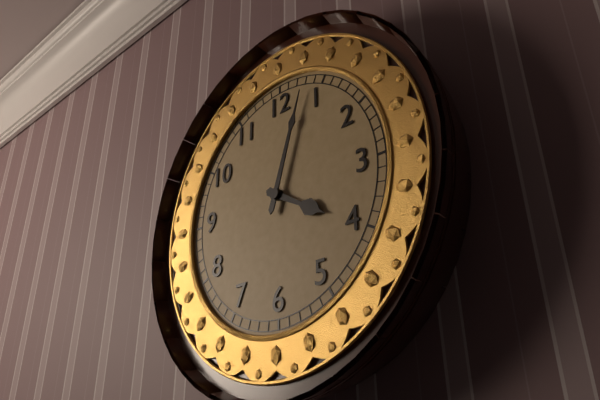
4.03
